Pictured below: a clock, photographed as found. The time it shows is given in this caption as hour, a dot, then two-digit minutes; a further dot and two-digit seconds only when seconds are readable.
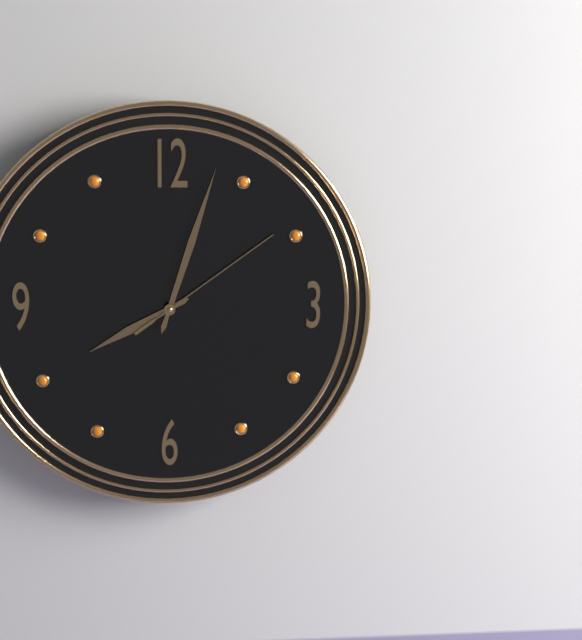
8.03.09
